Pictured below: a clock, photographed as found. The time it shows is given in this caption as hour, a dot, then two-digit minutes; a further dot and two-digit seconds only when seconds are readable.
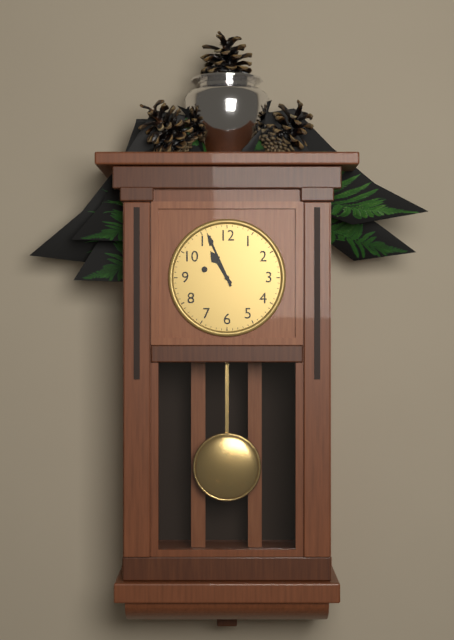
10.56
